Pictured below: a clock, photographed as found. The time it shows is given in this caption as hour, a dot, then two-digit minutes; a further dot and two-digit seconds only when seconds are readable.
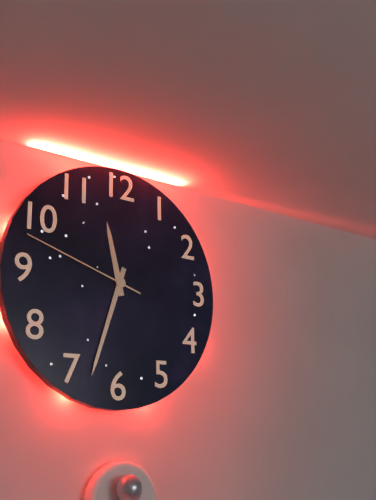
11.33.48
